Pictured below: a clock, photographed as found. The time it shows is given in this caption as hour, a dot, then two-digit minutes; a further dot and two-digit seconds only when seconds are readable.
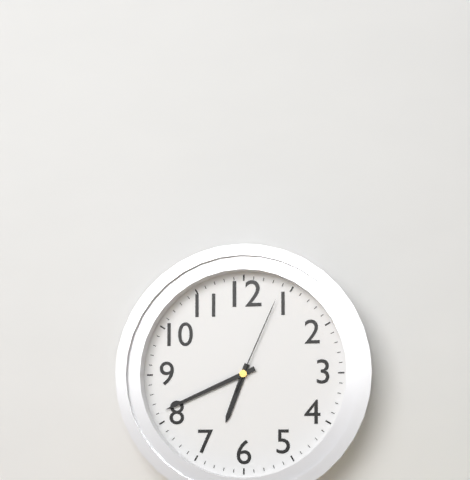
6.41.04
